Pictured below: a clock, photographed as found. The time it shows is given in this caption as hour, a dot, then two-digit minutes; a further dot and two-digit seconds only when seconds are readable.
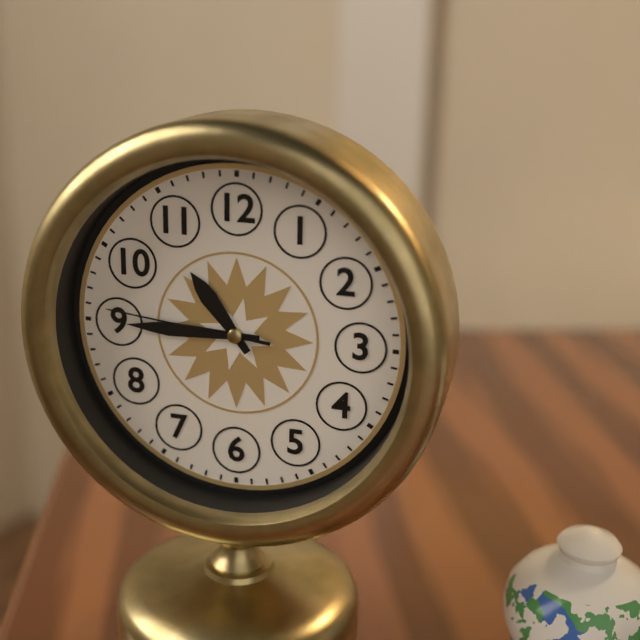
10.45.46
